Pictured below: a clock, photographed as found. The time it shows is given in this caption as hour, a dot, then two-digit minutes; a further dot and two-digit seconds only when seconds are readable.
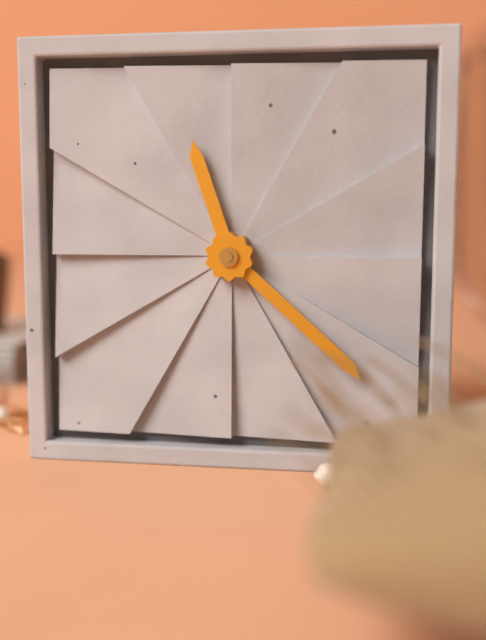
11.22
